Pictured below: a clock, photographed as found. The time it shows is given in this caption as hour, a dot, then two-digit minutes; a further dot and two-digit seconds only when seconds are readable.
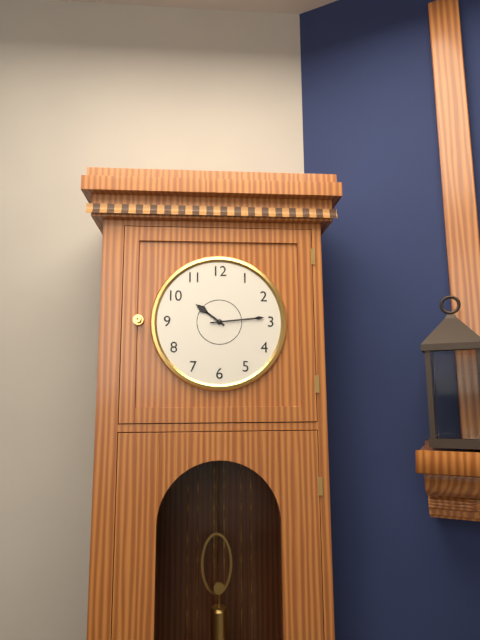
10.14
